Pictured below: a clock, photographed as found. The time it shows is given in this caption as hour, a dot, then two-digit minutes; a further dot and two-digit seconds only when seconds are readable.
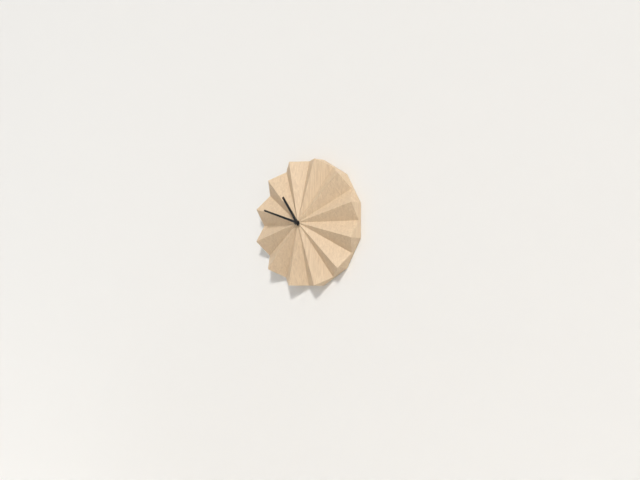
10.48
